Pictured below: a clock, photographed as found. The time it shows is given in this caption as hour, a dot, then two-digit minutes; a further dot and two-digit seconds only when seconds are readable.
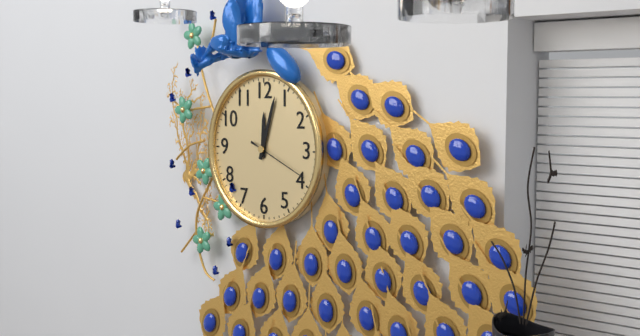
12.03.19
